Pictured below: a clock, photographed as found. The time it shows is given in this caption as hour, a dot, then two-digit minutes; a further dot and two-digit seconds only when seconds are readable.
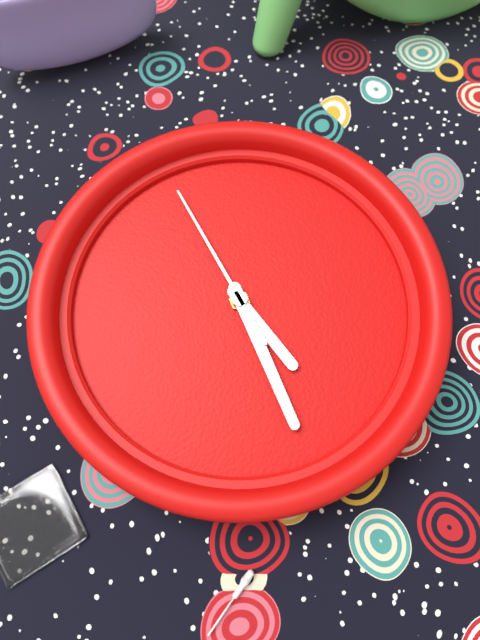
5.30.59
